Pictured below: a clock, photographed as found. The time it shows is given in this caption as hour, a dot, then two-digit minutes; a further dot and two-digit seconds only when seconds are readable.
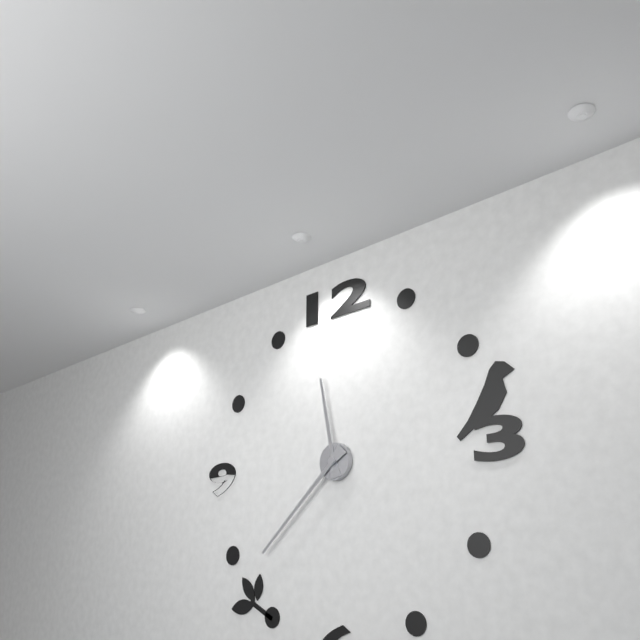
11.38
